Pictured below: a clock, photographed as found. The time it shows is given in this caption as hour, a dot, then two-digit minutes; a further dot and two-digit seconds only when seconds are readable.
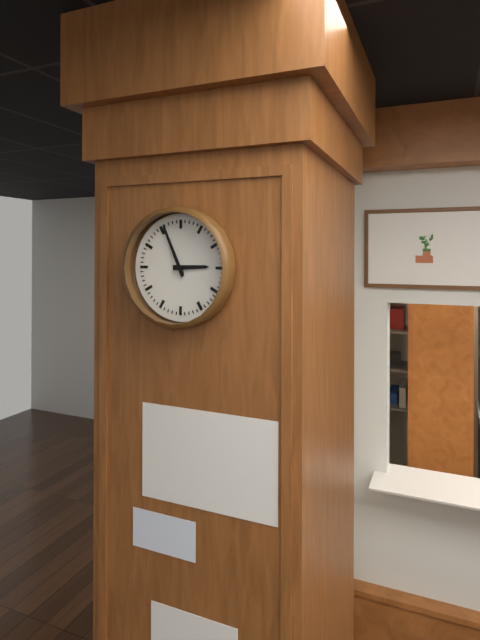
2.56
